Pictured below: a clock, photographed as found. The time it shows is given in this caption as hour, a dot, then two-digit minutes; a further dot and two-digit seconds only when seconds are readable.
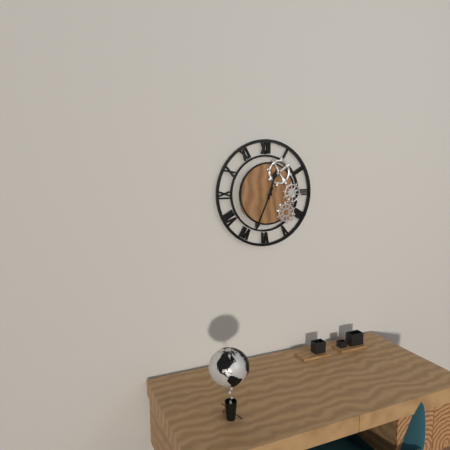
12.34
